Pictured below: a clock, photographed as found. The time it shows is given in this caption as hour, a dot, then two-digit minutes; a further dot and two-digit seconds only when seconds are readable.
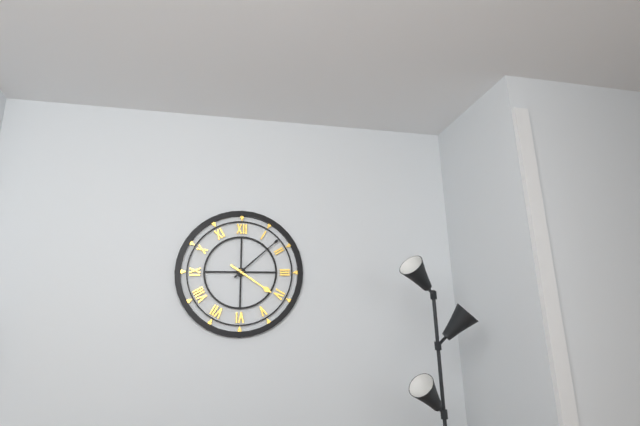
4.08
